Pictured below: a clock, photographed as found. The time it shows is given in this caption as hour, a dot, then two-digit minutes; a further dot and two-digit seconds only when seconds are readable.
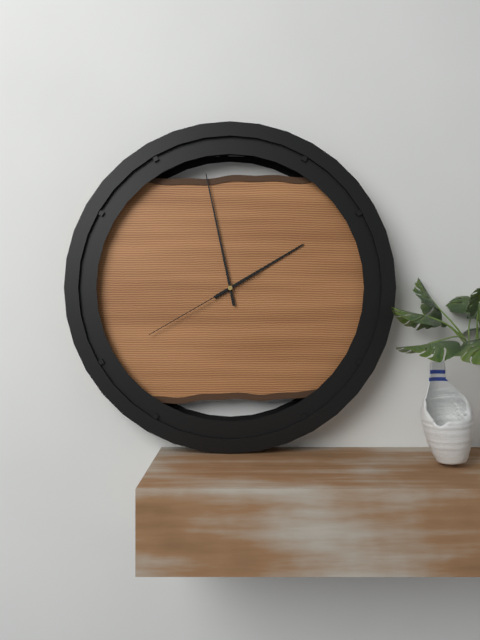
1.58.40
